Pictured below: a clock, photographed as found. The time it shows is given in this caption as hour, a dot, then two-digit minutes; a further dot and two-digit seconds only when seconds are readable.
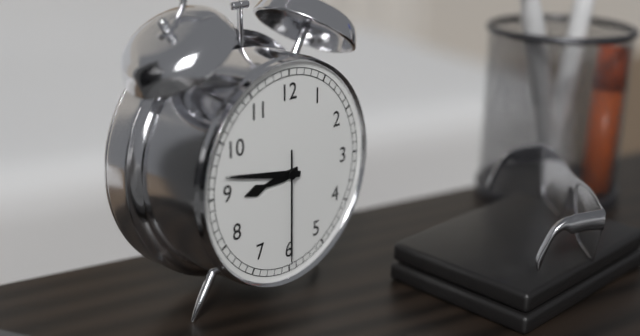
8.47.30
